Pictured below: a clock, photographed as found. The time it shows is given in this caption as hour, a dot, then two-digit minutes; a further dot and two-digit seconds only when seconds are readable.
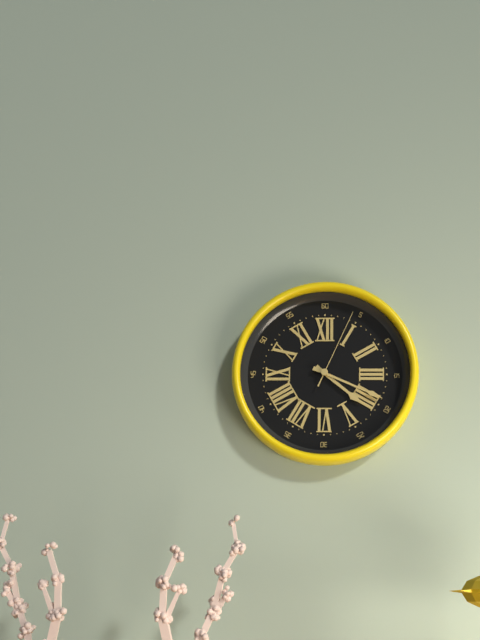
4.19.04
